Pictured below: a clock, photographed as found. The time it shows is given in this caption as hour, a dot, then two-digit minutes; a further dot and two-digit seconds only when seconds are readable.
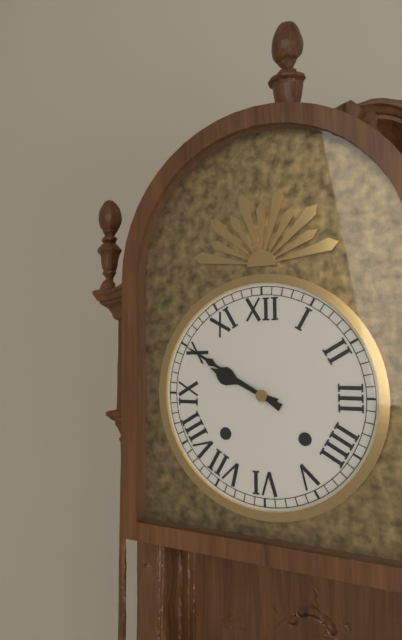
9.50
